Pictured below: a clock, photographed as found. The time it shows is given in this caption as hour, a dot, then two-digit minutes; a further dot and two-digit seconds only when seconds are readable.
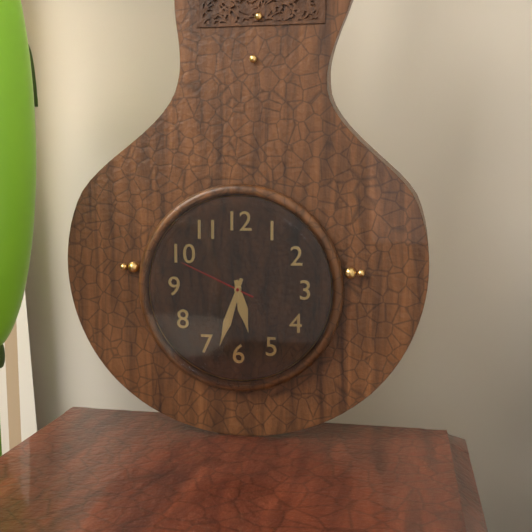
5.33.49
